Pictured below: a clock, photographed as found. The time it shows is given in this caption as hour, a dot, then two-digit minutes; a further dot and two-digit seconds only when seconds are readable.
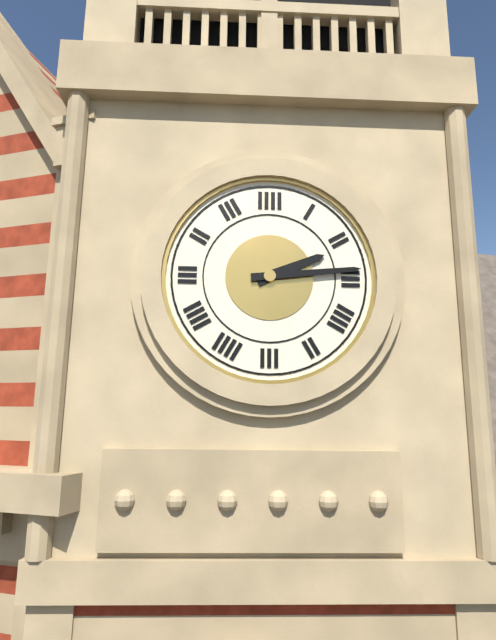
2.14
